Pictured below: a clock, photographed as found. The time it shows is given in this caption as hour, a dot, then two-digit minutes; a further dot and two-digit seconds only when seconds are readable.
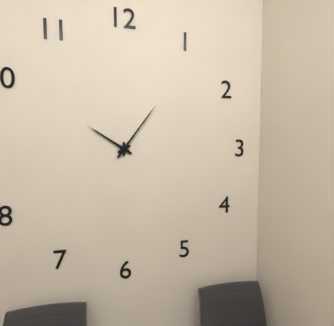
10.06
